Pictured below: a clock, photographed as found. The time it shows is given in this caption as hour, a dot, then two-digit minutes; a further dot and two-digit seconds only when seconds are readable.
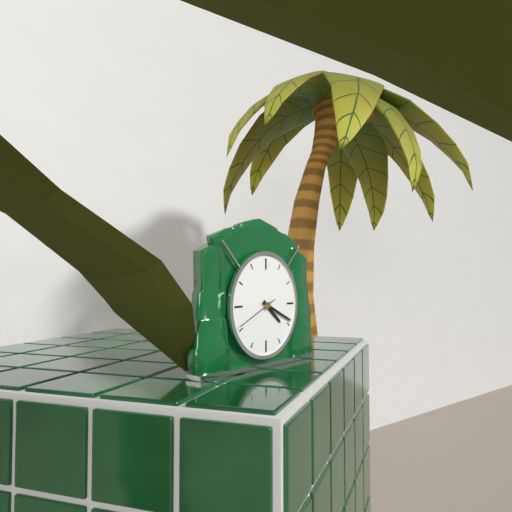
4.19
